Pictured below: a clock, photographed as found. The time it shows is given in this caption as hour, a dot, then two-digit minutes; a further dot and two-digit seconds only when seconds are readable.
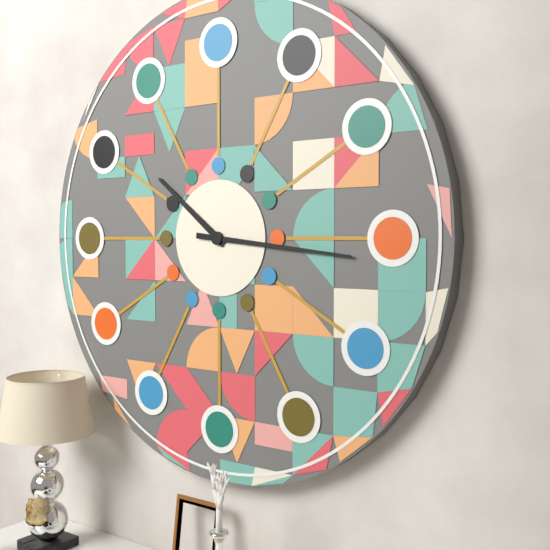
10.16
